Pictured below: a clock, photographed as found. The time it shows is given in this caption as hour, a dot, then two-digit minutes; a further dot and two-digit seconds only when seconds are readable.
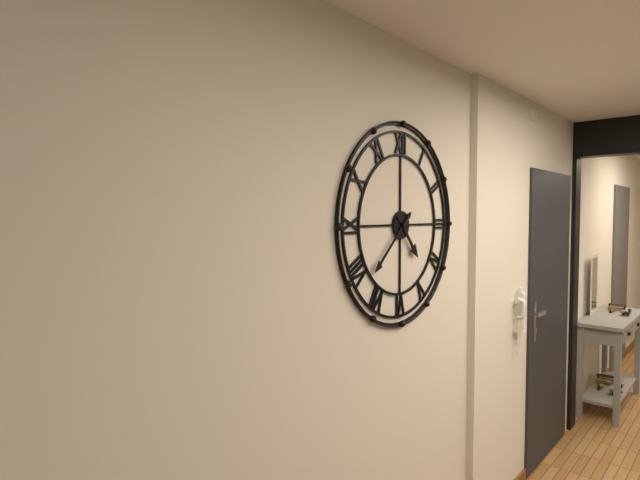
4.38
